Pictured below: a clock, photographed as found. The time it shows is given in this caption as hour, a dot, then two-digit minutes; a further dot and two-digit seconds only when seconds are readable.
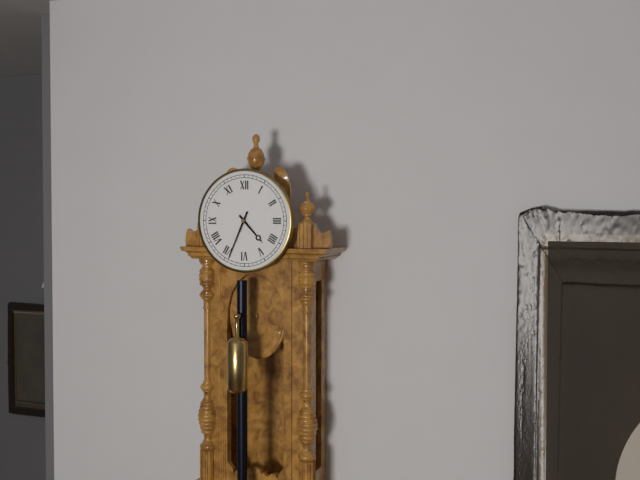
4.34
